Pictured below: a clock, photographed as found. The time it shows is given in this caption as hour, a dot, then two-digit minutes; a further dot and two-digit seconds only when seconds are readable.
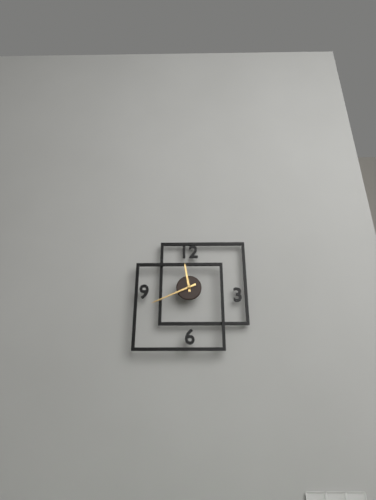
11.41
